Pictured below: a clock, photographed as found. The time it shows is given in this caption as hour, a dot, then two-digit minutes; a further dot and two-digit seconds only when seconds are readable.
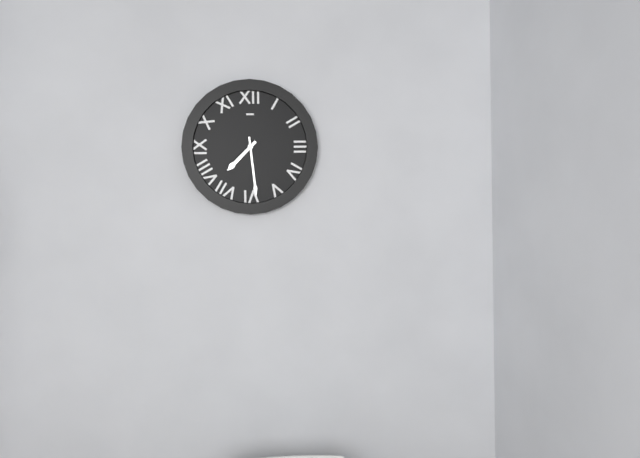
7.29
